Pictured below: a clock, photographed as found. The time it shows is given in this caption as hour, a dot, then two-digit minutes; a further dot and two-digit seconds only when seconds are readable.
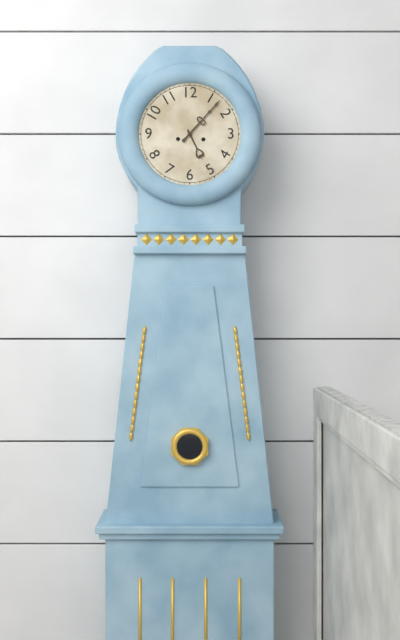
5.07
